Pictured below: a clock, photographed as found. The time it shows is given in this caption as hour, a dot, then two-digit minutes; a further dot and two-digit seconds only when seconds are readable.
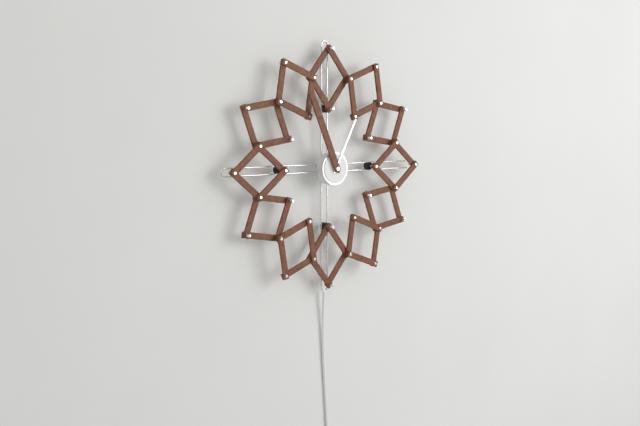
12.56
